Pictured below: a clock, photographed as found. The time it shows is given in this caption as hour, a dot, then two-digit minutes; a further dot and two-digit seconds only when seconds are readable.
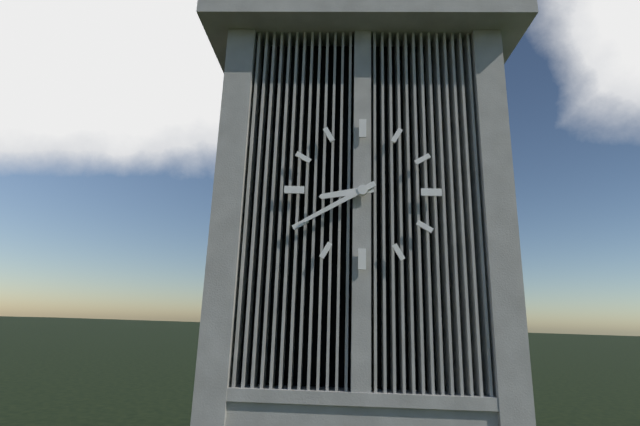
8.40
